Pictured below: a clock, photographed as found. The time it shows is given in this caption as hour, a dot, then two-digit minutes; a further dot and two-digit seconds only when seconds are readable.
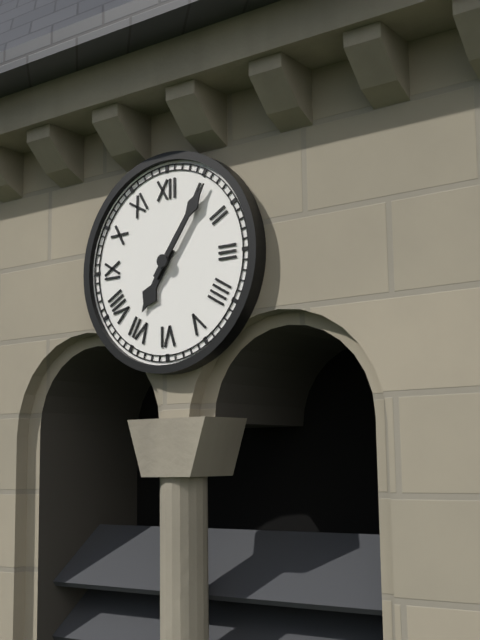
7.06
